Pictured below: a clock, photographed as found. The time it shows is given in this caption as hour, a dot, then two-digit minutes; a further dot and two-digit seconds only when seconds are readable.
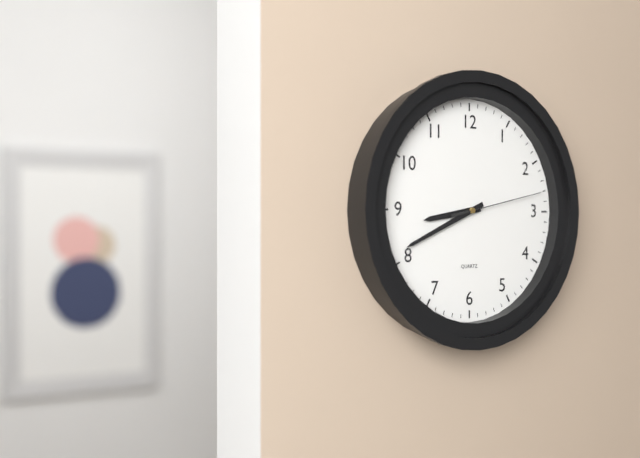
8.41.13
